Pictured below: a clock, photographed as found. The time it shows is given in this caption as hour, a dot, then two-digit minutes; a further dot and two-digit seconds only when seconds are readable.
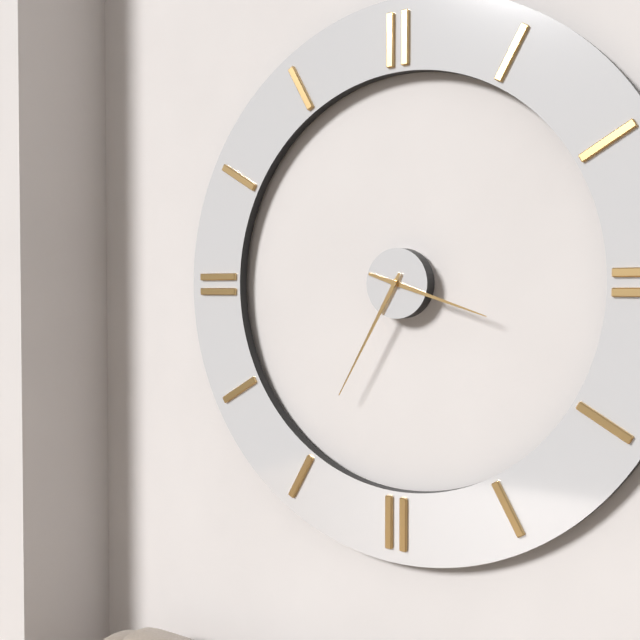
3.35
